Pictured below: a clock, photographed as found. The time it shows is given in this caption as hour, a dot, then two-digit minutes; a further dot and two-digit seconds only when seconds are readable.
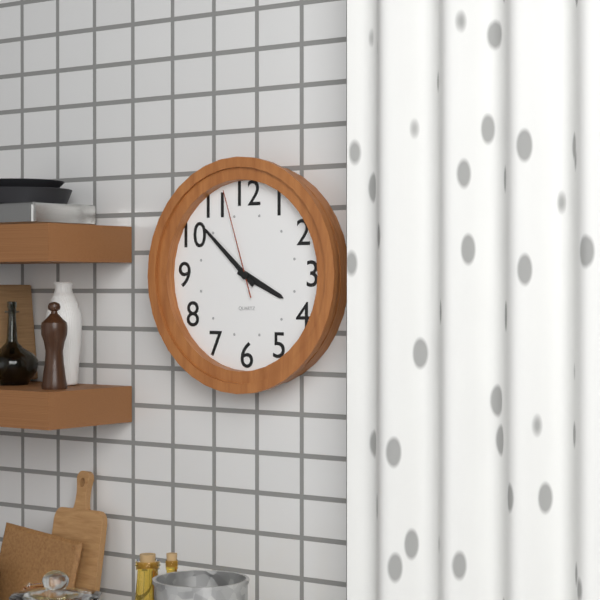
3.52.57
